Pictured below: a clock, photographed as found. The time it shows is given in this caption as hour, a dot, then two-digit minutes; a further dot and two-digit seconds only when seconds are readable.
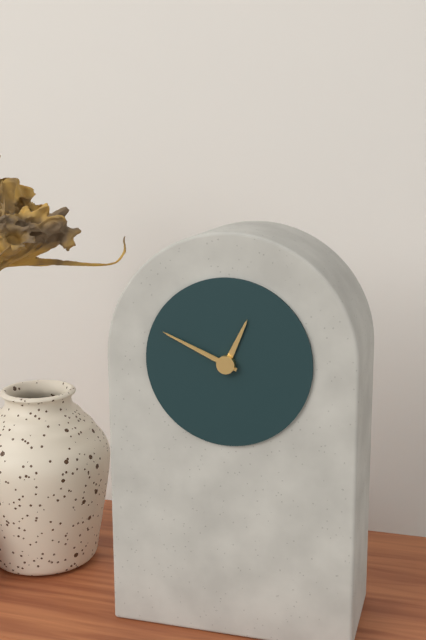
12.49
